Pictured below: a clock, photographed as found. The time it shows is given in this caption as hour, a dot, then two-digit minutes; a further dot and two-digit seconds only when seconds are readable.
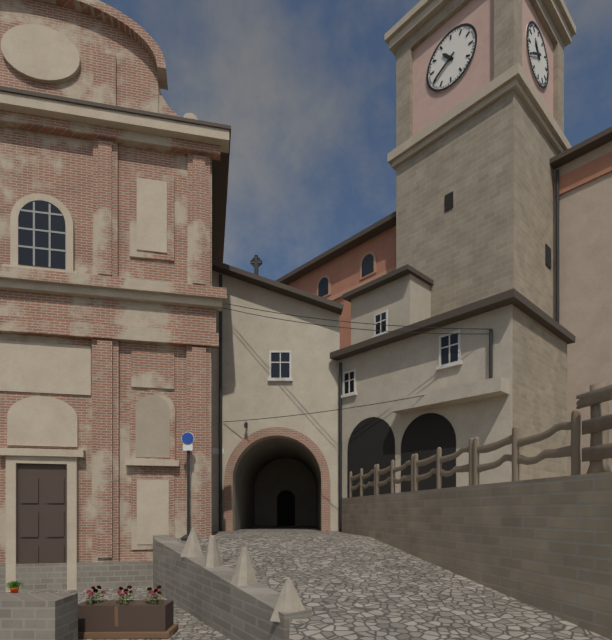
10.40
